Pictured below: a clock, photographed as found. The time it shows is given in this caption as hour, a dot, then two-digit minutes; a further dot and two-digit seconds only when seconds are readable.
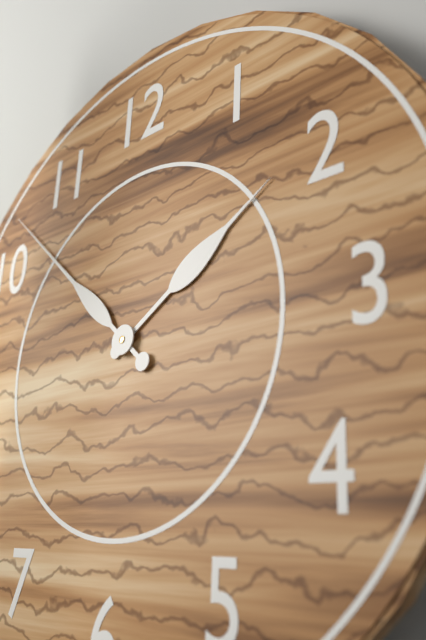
1.52
